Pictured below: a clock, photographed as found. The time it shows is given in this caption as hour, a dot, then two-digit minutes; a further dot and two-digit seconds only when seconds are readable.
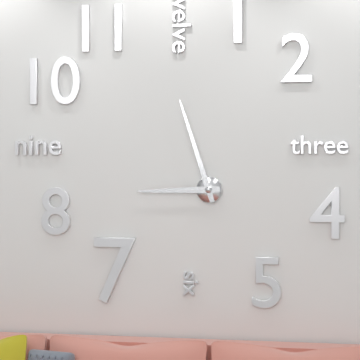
8.57
